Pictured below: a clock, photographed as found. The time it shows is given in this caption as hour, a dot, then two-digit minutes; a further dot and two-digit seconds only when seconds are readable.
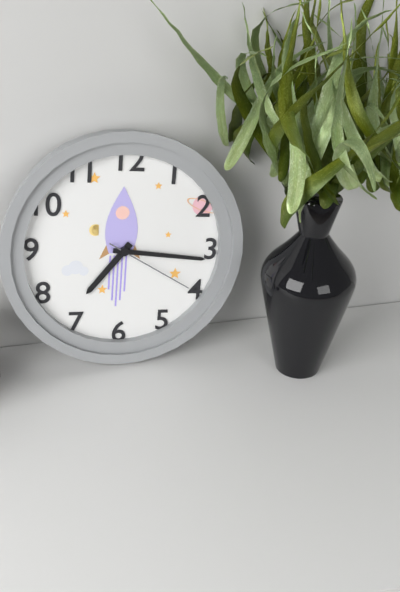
7.16.20
